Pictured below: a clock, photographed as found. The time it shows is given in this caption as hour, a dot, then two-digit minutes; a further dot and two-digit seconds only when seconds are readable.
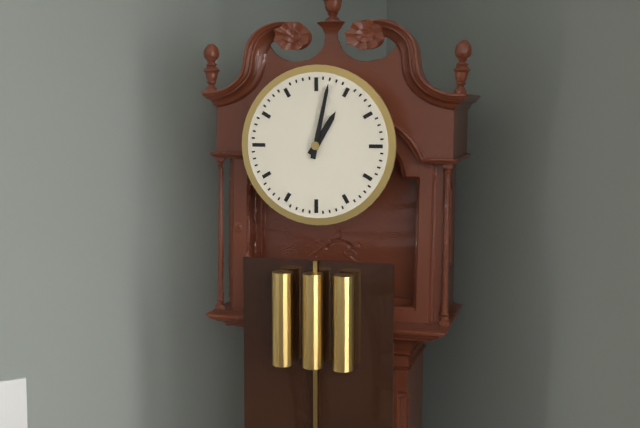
1.02
